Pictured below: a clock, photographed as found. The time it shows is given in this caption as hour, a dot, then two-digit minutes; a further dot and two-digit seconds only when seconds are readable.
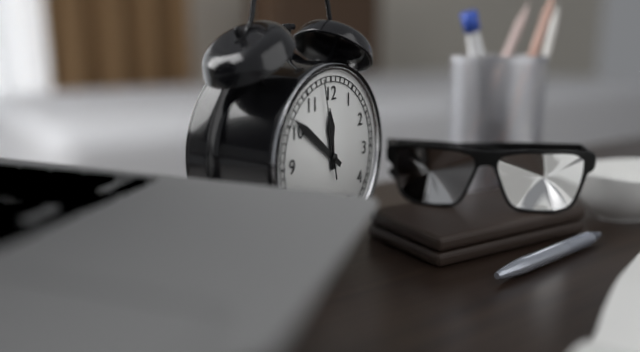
11.51.58
